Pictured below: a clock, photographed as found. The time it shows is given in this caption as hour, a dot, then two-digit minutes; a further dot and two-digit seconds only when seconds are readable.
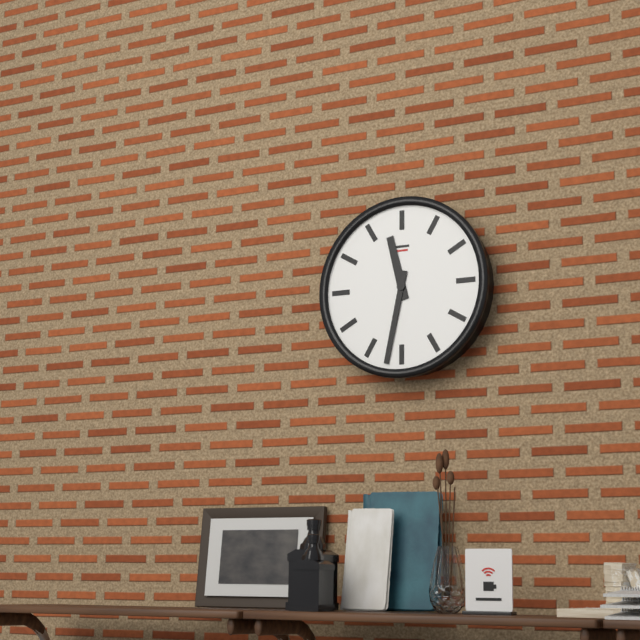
11.32
